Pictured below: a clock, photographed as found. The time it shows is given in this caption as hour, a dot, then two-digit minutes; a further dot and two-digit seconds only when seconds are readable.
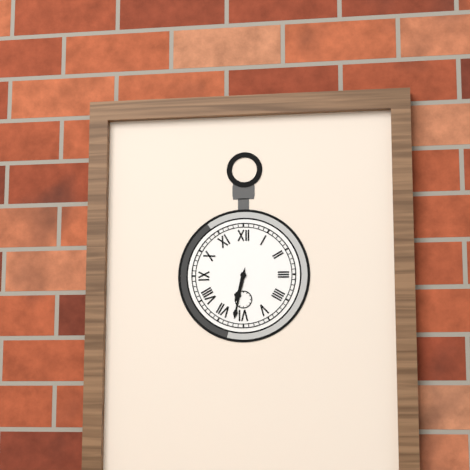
6.32
